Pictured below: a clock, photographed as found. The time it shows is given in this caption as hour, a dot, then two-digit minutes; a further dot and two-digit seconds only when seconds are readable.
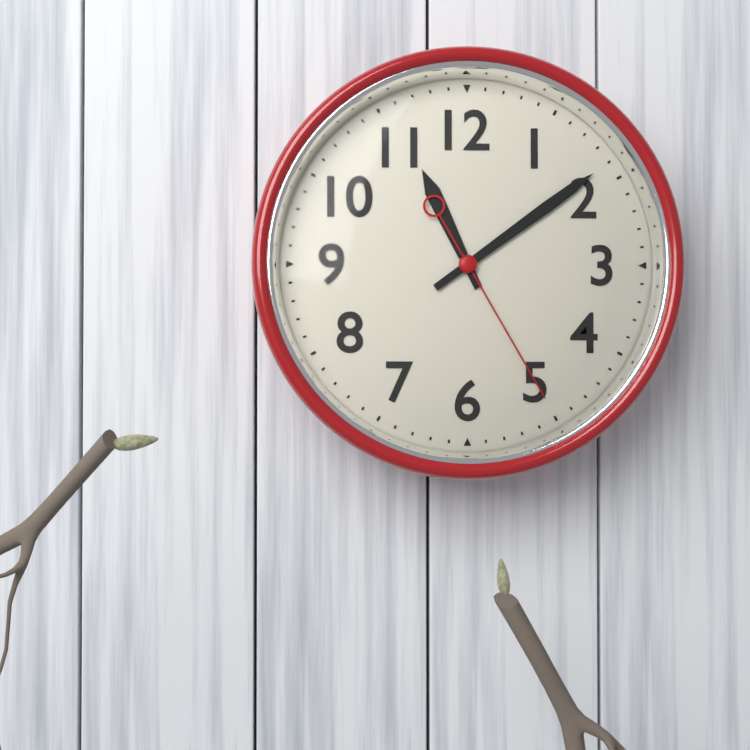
11.09.25
